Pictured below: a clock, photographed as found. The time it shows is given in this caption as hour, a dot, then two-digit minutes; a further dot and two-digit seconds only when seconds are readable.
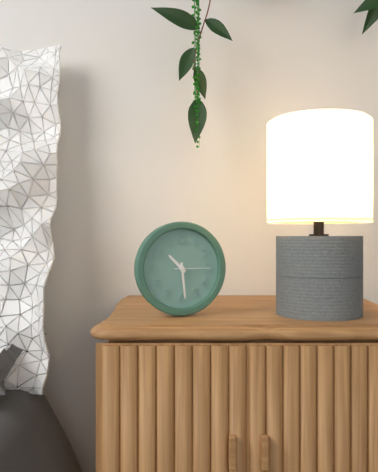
10.29
